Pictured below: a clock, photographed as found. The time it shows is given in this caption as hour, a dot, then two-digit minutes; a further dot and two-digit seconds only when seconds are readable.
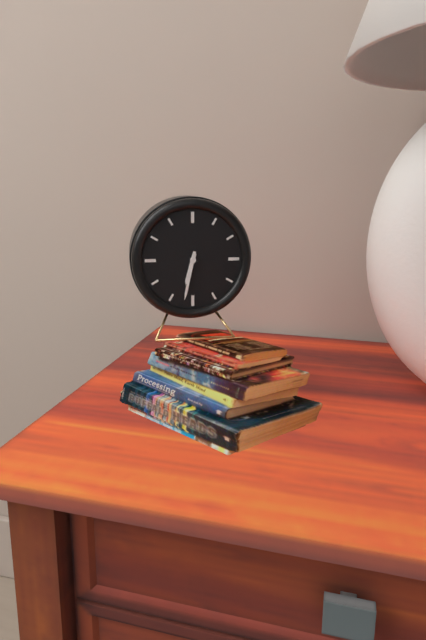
6.32
